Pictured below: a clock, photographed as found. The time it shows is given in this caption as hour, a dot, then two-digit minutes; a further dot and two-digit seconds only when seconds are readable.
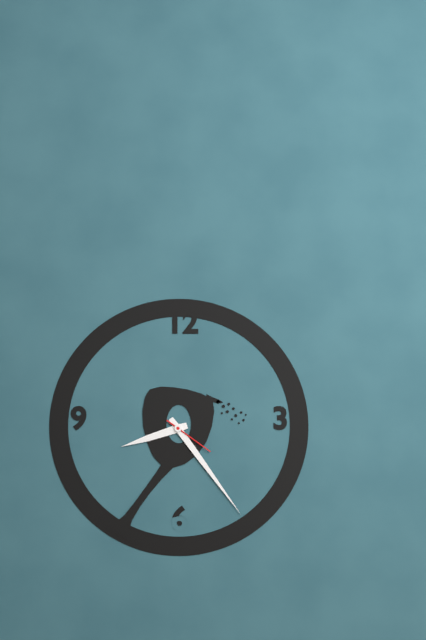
8.24.21
